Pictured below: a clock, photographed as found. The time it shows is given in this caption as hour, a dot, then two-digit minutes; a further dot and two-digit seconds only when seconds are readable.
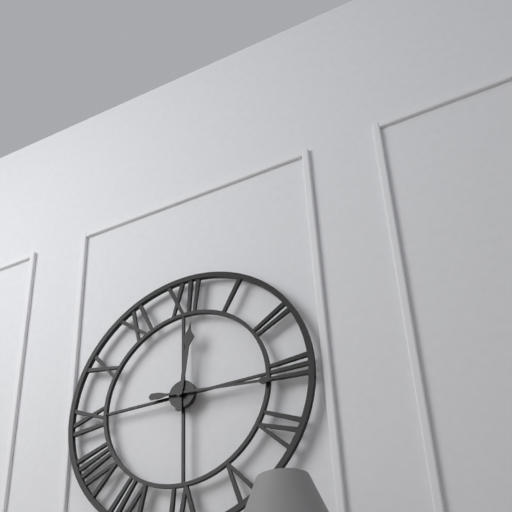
12.16
